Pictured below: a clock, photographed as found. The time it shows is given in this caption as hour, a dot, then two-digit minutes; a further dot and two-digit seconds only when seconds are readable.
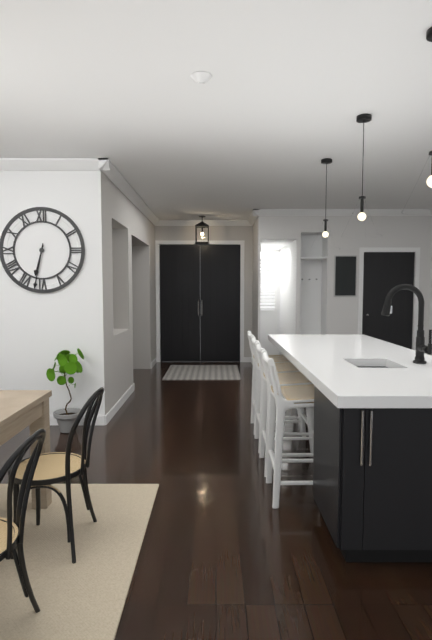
6.32
